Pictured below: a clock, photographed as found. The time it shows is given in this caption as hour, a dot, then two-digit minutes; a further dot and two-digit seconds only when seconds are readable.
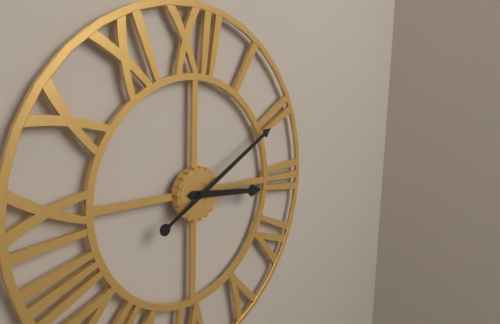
3.10
